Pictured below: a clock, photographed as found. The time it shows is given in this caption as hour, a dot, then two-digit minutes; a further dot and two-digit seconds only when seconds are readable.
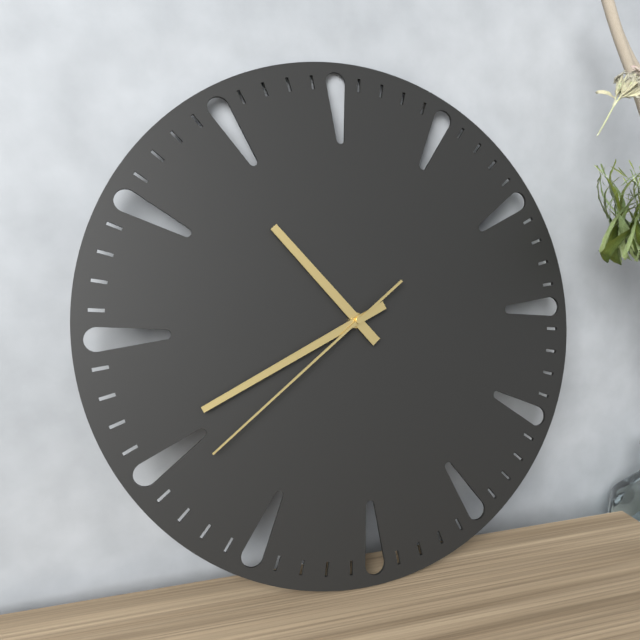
10.41.39
